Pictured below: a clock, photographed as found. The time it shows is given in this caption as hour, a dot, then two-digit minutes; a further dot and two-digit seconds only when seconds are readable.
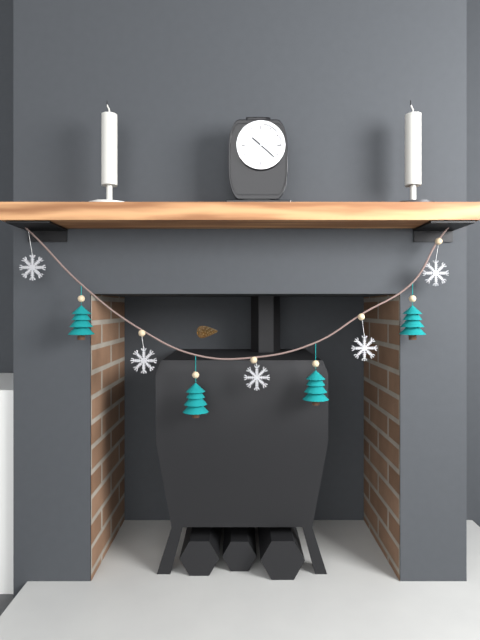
10.22
